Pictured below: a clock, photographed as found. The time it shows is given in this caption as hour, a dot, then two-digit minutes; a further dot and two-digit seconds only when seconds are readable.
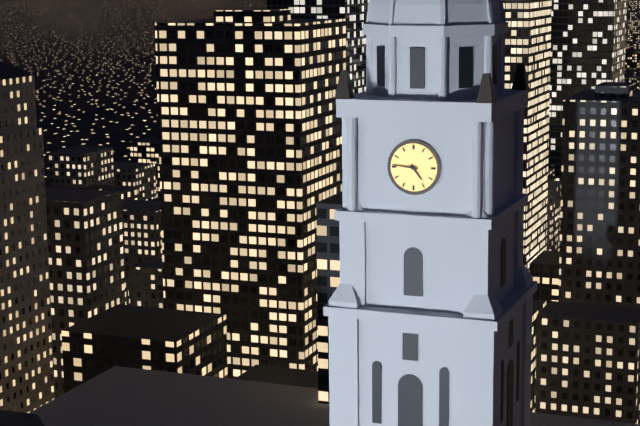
4.46
